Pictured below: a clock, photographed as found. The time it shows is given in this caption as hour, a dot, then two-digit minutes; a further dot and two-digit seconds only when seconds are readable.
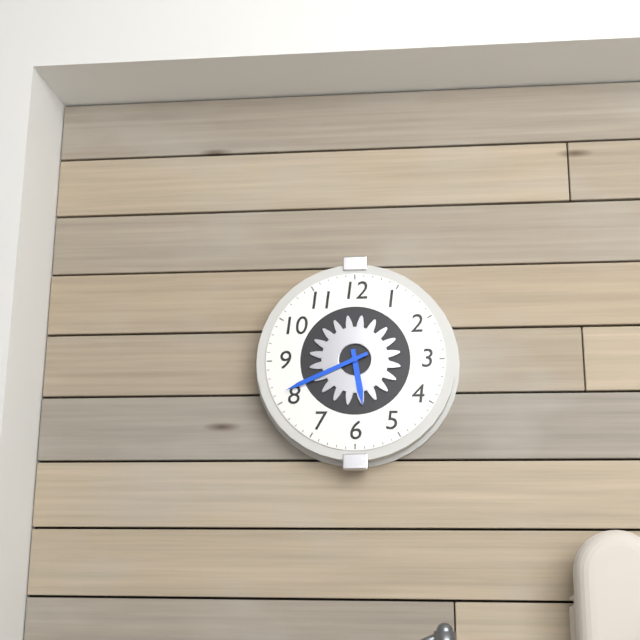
5.41
